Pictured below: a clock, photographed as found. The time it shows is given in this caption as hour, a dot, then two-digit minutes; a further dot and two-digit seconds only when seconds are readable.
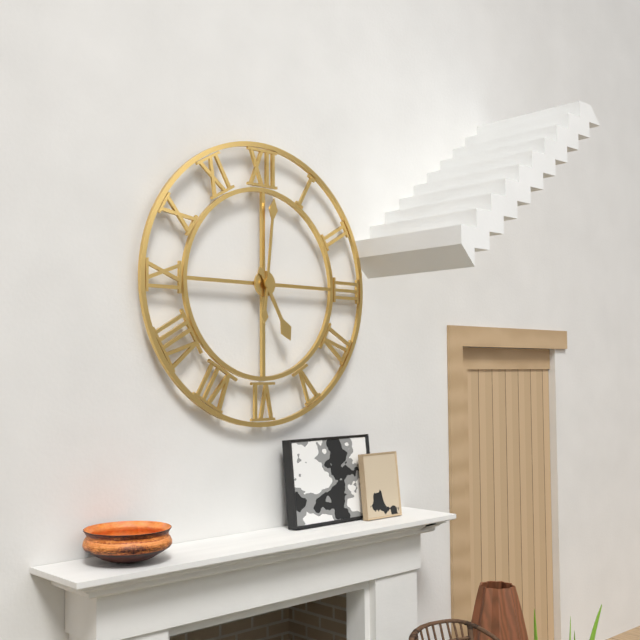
5.01
